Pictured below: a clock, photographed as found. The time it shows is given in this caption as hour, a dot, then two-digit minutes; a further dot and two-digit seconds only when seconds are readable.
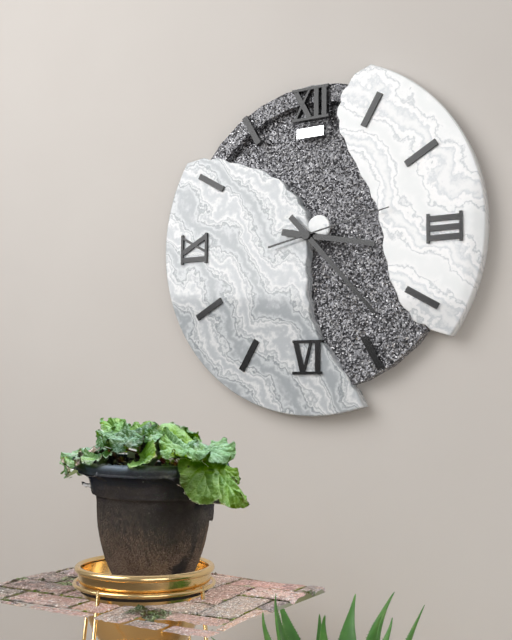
3.23.13
